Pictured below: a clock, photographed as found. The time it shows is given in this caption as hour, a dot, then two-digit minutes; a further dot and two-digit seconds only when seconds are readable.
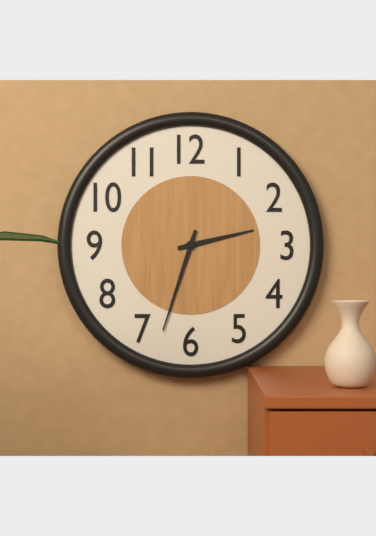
2.33
